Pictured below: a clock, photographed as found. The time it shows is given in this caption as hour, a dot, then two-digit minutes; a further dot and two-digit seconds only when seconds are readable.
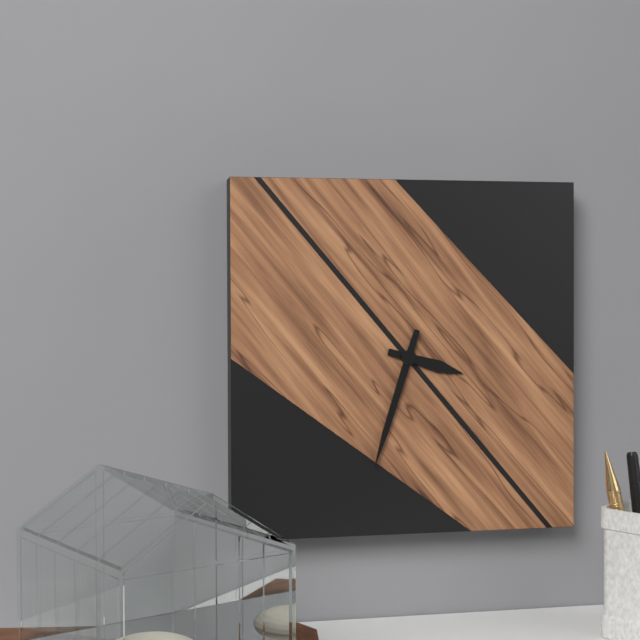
3.33
